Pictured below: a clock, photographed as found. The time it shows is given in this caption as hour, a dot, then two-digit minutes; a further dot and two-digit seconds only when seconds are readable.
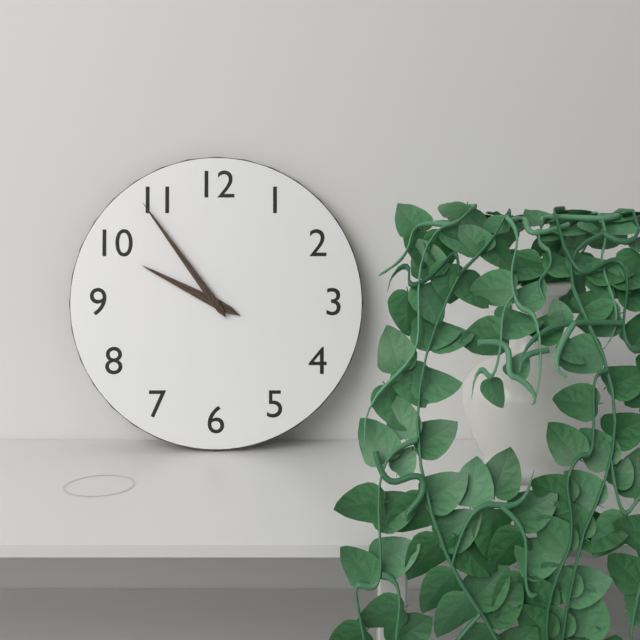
9.54
